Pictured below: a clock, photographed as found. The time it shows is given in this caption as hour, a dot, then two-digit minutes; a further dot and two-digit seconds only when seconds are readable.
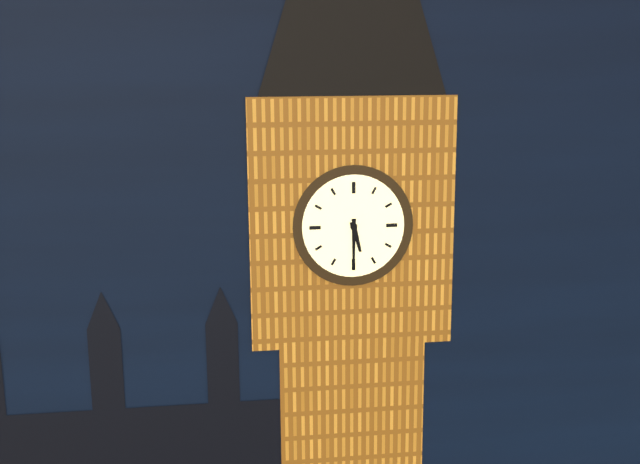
5.30
